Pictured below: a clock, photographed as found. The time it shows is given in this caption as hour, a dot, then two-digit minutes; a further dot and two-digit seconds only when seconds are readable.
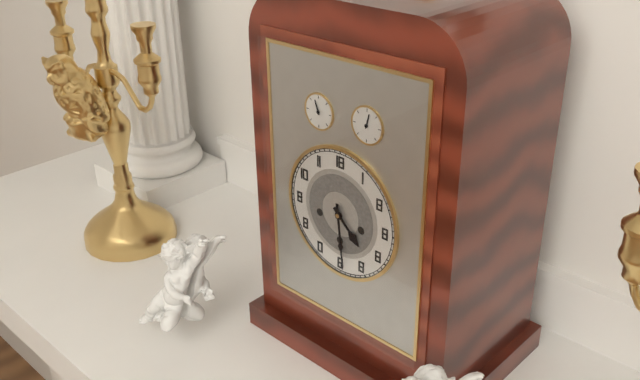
4.29
